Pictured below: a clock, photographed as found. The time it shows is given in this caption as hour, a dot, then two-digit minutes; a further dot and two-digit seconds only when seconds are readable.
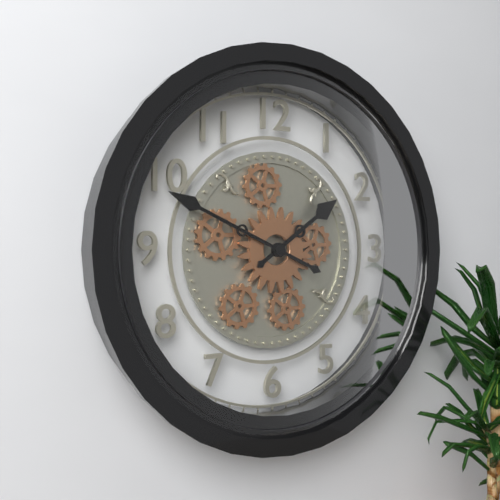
1.49
